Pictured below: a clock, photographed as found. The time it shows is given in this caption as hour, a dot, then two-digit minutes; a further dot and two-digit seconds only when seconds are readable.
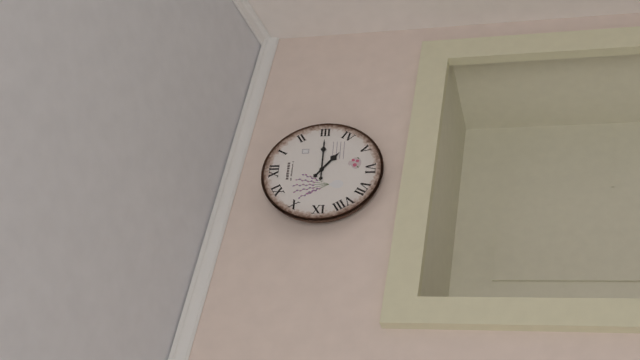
4.15
